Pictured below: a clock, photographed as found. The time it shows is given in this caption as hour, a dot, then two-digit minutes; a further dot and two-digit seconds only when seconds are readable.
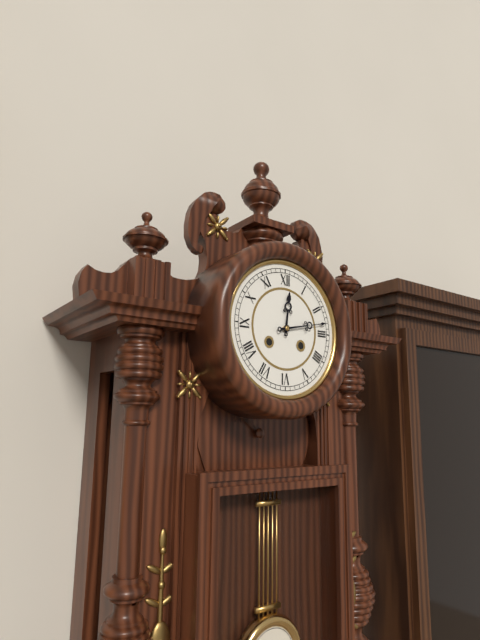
12.13
